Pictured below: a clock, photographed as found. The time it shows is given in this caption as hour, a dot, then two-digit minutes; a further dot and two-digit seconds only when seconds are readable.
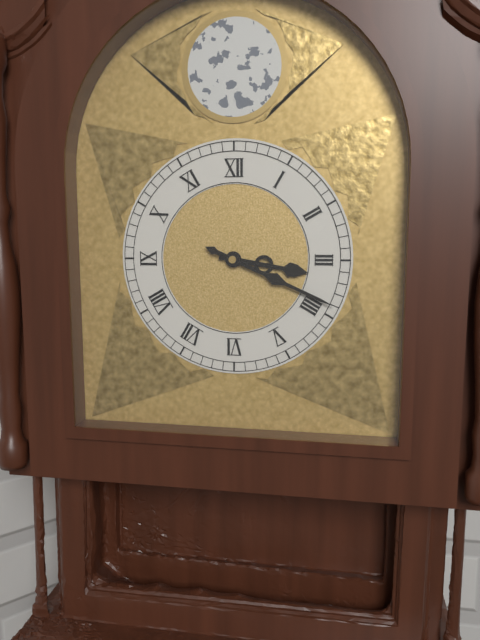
3.19
